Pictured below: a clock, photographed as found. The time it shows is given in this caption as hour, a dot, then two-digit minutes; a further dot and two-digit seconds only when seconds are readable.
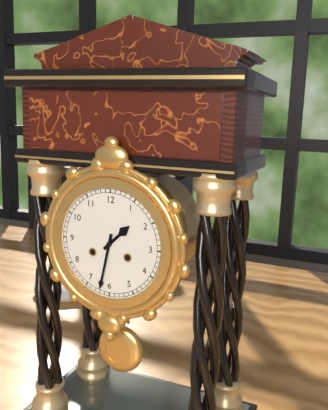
1.32
